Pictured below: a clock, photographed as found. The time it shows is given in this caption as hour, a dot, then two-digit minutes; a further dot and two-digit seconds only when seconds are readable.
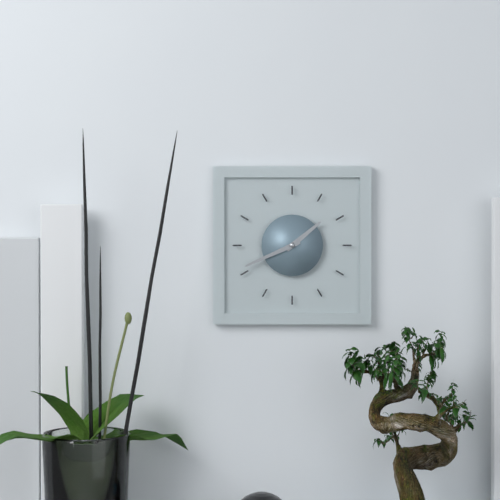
1.41
